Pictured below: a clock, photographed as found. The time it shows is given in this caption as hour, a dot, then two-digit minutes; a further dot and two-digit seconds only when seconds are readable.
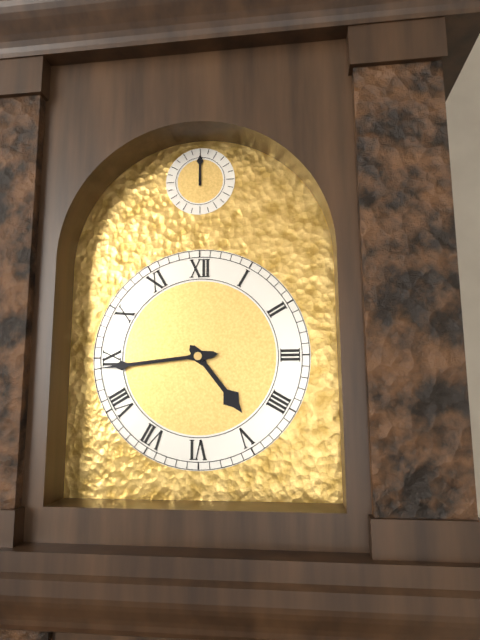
4.44
